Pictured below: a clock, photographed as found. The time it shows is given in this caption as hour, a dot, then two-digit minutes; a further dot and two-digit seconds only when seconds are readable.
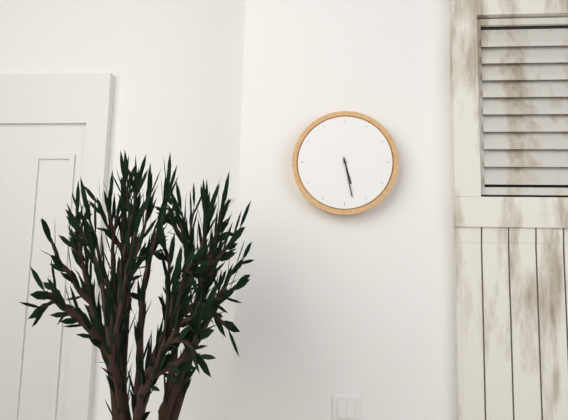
5.28
